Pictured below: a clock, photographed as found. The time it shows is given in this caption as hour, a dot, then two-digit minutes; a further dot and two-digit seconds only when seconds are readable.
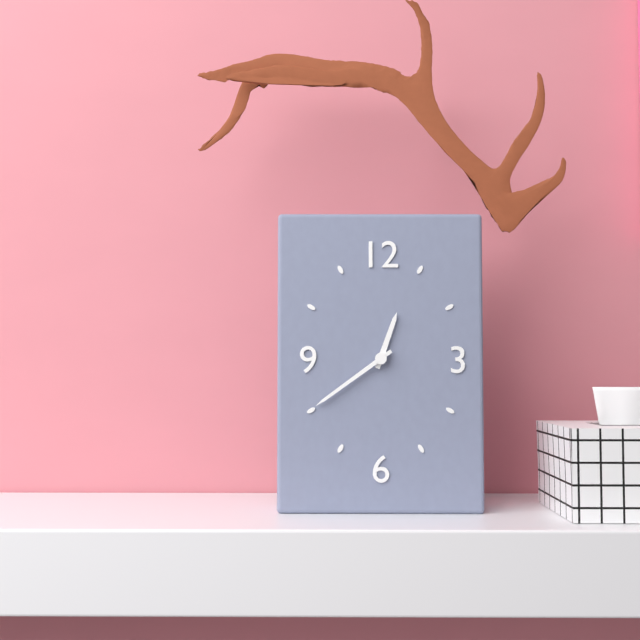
12.39
